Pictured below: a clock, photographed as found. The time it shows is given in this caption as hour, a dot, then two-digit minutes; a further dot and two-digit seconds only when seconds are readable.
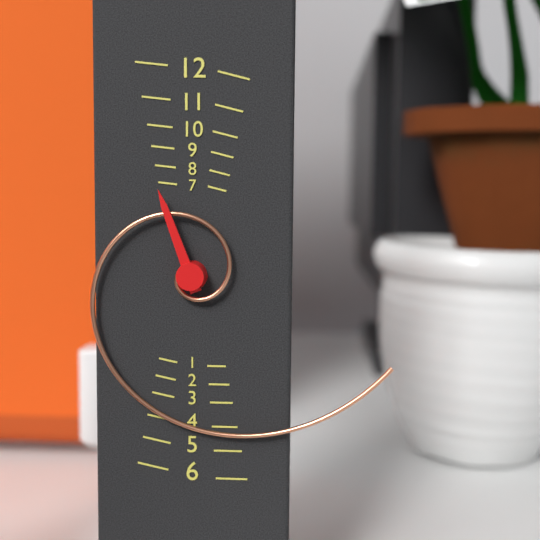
11.19
